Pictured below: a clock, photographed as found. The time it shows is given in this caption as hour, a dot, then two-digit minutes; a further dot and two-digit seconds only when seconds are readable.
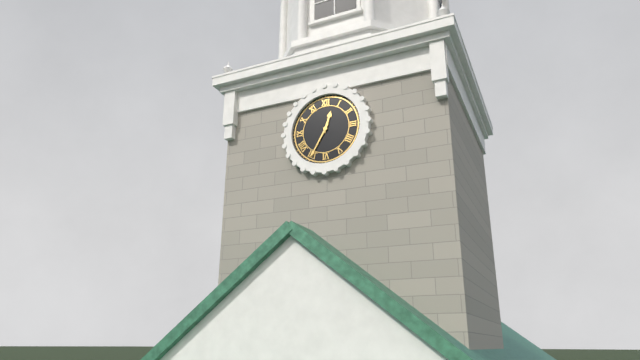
12.35
